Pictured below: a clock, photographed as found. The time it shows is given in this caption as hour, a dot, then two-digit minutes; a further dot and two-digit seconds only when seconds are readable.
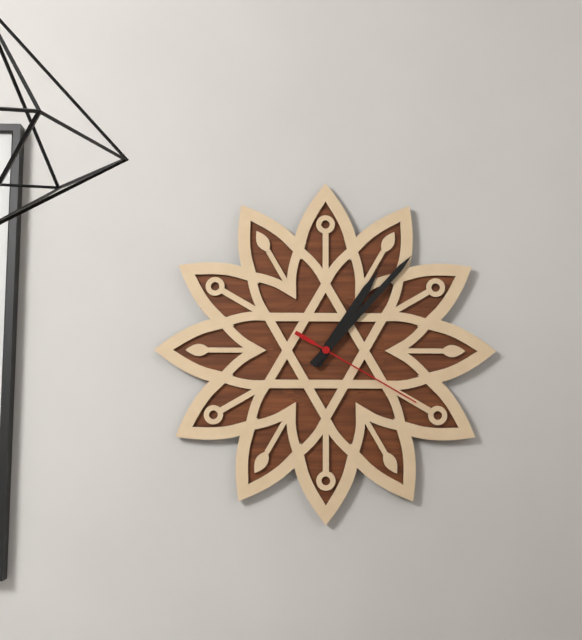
1.07.20
